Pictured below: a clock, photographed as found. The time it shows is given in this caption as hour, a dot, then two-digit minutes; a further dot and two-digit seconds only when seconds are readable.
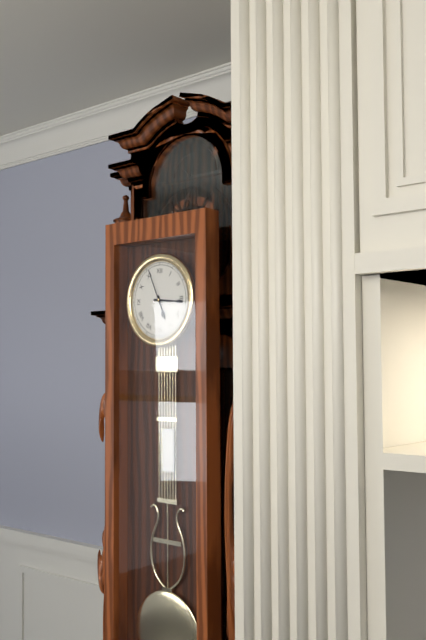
5.16
